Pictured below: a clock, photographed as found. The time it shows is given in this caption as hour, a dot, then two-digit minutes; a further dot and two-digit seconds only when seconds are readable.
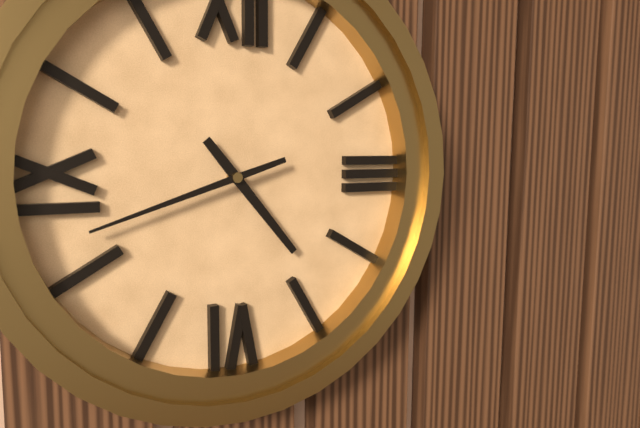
4.42
